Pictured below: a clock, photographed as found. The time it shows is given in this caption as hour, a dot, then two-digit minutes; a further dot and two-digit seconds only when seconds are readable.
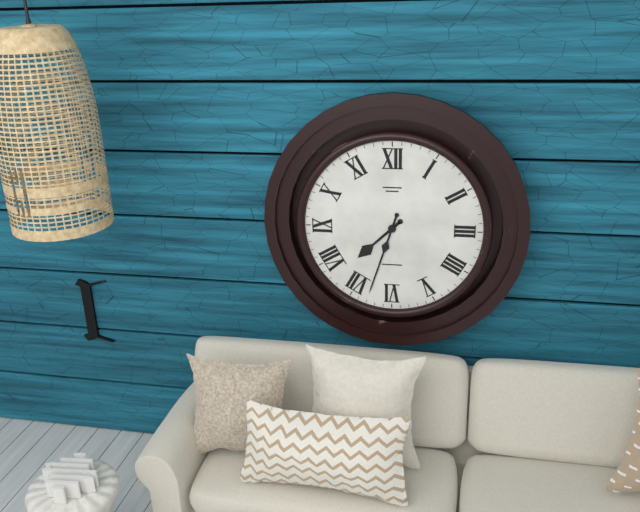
7.33
